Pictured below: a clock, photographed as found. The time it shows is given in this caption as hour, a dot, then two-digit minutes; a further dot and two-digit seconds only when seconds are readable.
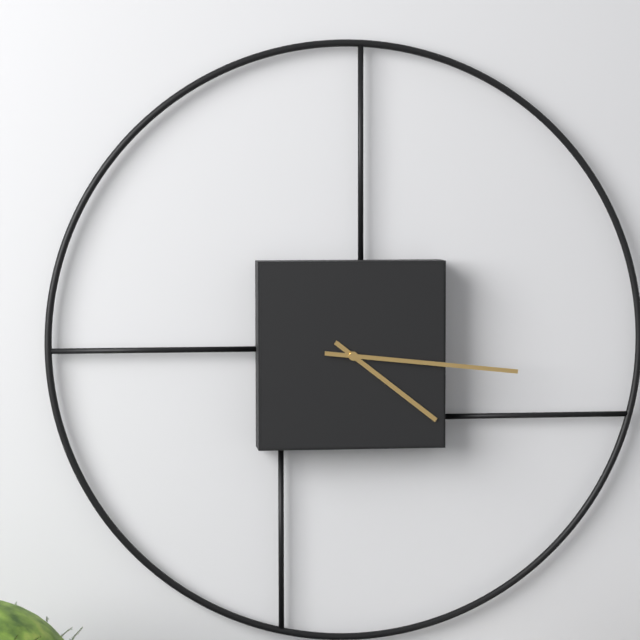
4.16
